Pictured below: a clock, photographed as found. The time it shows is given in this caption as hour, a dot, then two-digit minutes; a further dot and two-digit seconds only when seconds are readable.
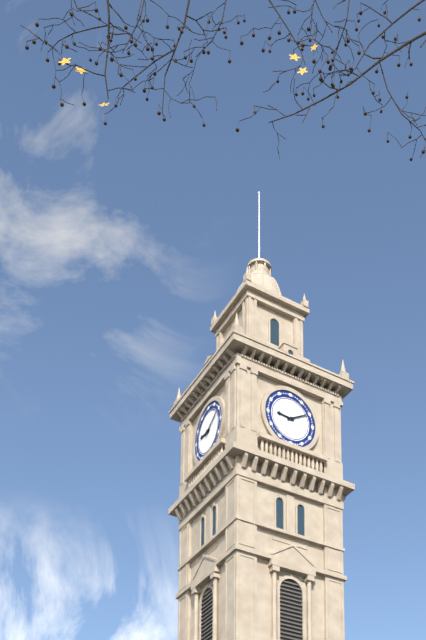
9.10
